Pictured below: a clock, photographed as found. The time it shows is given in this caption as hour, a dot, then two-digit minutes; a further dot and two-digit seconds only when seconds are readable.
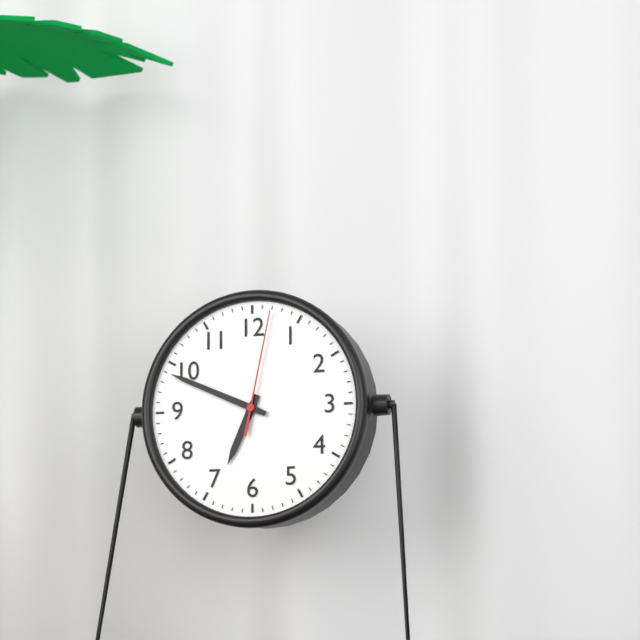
6.49.02
